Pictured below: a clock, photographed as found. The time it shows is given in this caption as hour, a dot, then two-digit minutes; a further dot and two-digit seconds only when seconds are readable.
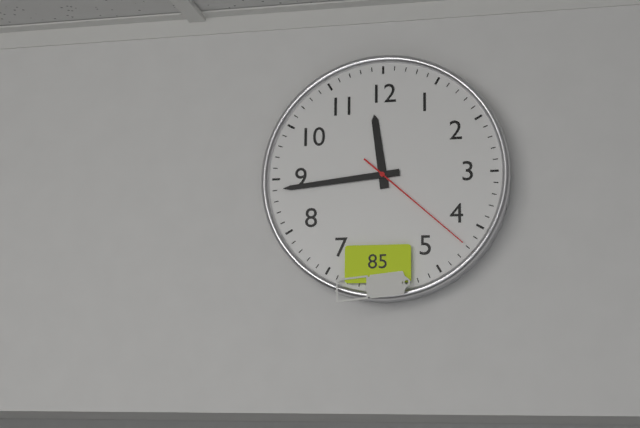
11.44.22
